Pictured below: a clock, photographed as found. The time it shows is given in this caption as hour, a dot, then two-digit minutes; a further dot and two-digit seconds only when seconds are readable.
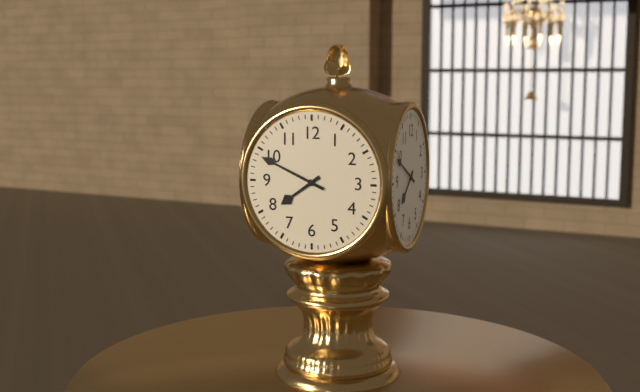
7.49
